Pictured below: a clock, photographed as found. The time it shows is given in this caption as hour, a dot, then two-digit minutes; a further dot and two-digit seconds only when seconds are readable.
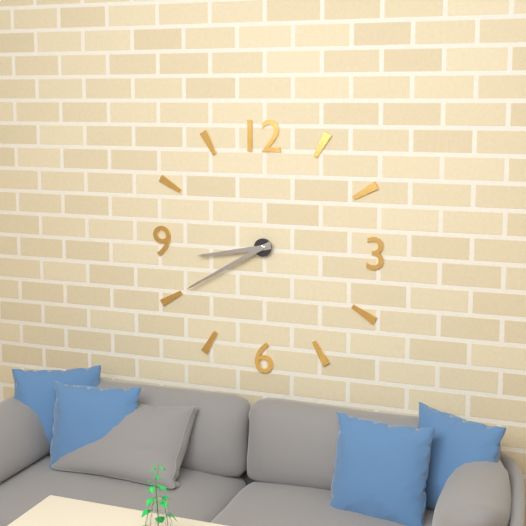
8.40
